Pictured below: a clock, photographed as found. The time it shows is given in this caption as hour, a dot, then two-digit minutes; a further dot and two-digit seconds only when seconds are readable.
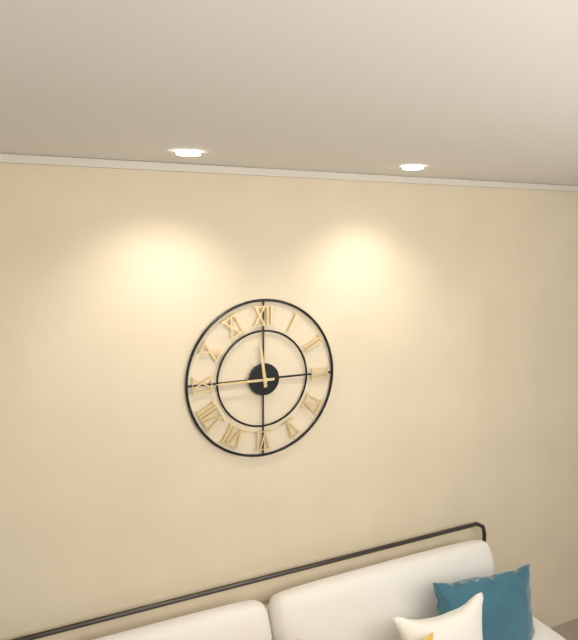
11.45
